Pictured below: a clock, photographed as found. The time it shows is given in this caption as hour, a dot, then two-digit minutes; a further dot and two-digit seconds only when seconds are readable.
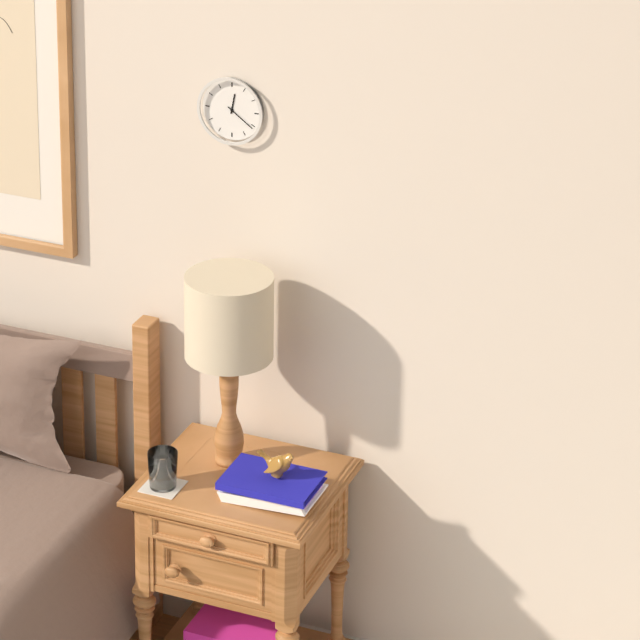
12.21
